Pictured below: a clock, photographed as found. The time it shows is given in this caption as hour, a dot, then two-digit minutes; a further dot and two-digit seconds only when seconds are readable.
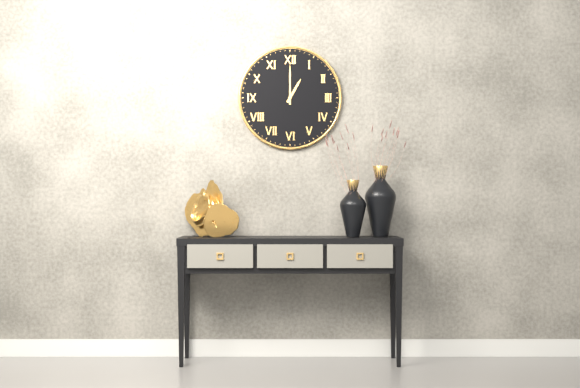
1.00
